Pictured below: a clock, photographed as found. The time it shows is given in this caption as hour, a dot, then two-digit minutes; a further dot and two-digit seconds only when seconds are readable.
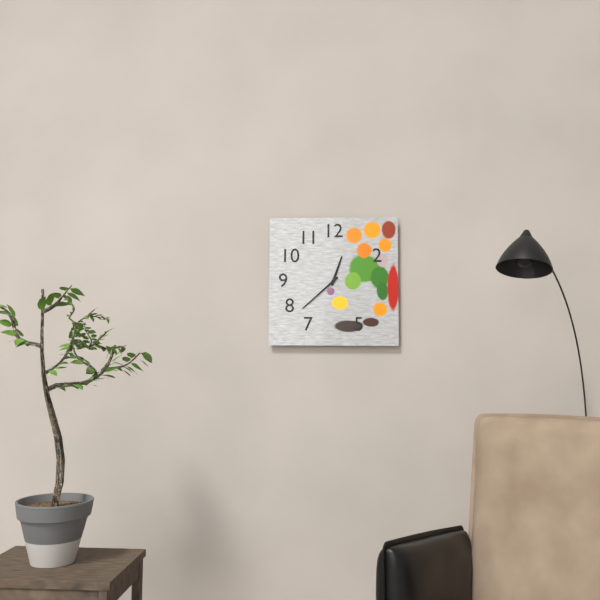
12.38
